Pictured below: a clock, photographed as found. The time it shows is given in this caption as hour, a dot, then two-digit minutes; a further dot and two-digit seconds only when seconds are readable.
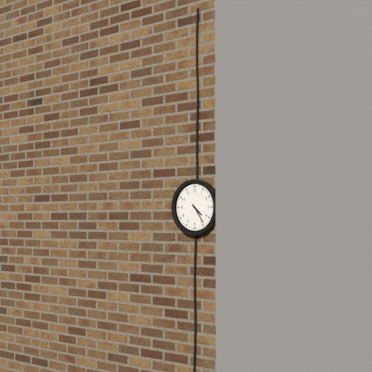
4.24
